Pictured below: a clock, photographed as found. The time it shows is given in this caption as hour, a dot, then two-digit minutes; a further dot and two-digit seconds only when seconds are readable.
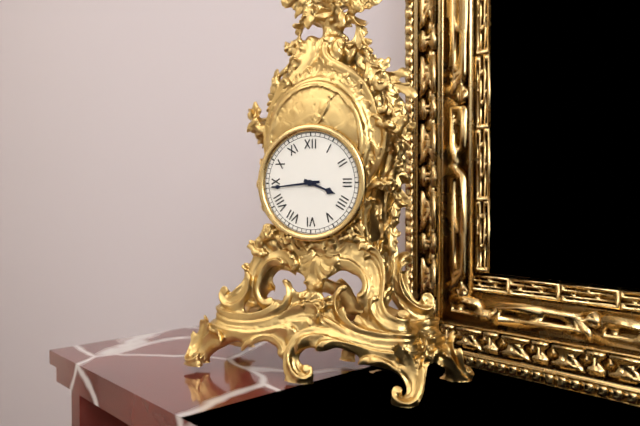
3.44
